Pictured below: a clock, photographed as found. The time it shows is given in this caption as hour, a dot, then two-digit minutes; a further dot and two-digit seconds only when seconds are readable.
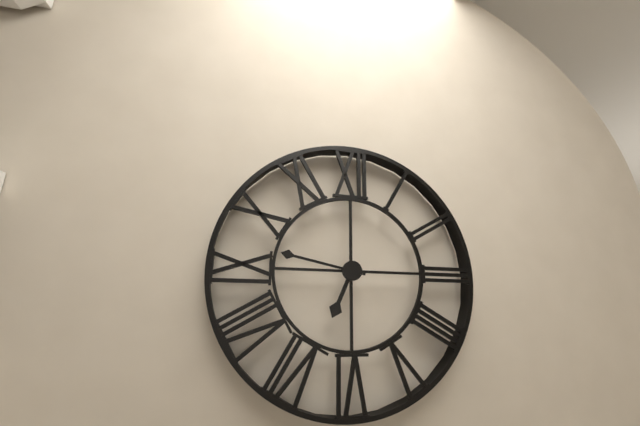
6.47
